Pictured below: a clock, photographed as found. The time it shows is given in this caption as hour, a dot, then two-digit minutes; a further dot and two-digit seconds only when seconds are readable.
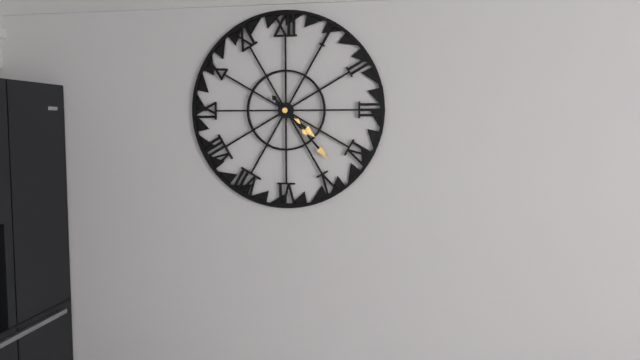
4.23
